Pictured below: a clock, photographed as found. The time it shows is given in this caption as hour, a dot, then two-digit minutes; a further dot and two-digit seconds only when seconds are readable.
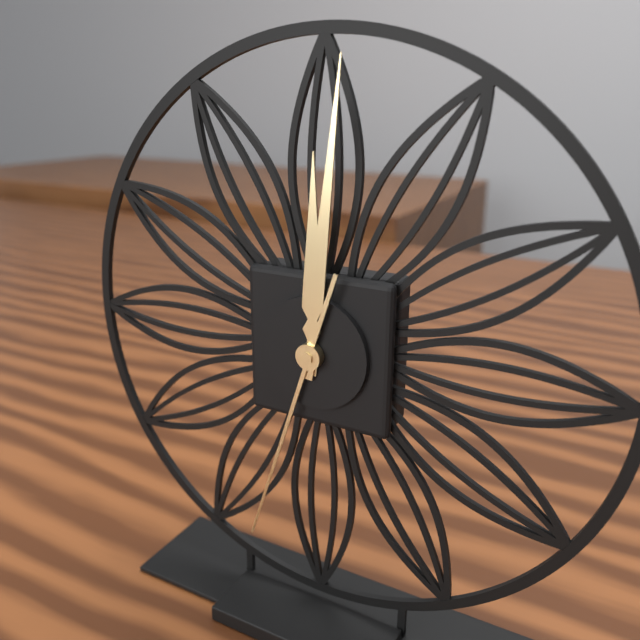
12.01.33
